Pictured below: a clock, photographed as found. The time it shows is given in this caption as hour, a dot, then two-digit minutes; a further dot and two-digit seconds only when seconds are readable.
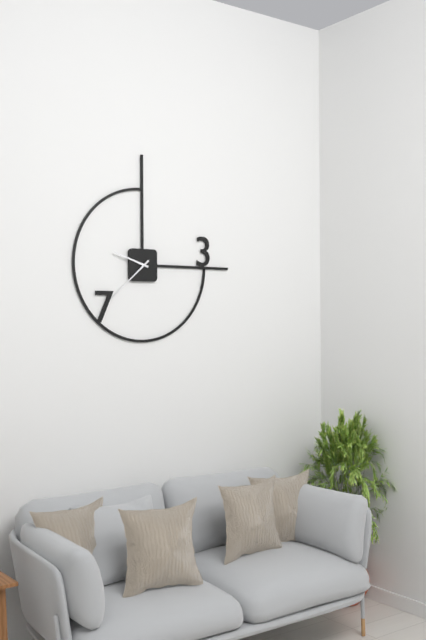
9.38
